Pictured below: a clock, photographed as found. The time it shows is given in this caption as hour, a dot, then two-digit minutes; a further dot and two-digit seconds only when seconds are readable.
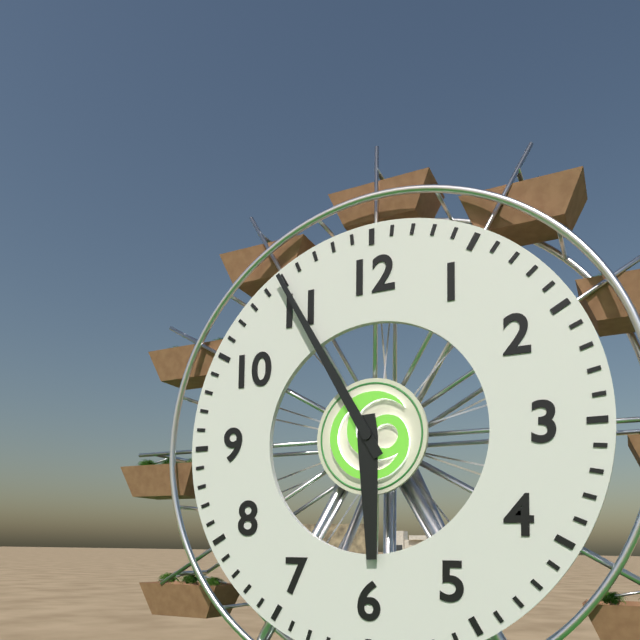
5.55
